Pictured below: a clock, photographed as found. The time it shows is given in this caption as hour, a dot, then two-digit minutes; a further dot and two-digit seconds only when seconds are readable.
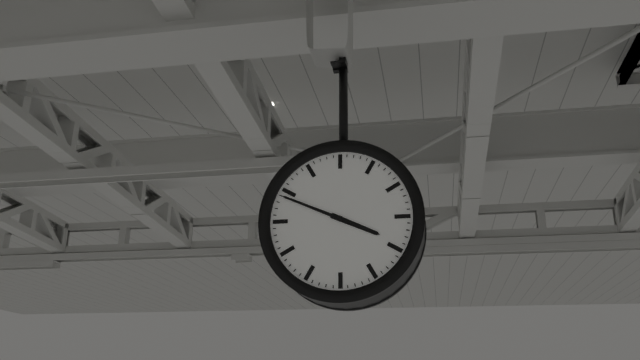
3.49
